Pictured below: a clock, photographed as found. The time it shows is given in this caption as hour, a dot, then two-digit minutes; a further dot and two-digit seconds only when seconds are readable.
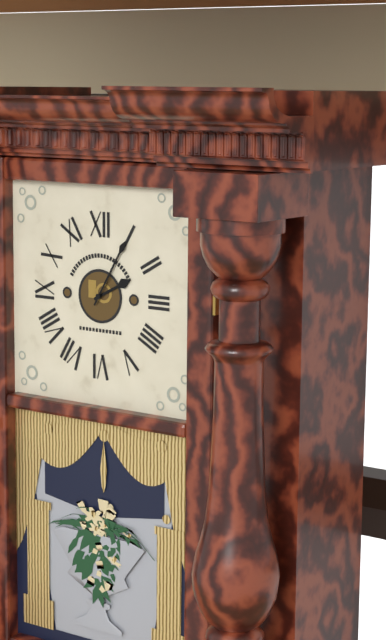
2.05
